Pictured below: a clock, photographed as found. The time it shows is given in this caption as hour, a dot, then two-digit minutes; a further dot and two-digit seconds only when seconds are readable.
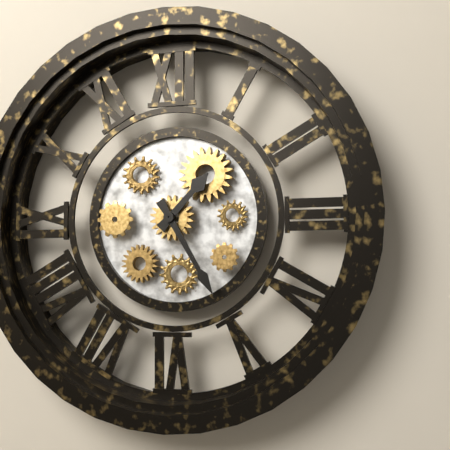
1.25
